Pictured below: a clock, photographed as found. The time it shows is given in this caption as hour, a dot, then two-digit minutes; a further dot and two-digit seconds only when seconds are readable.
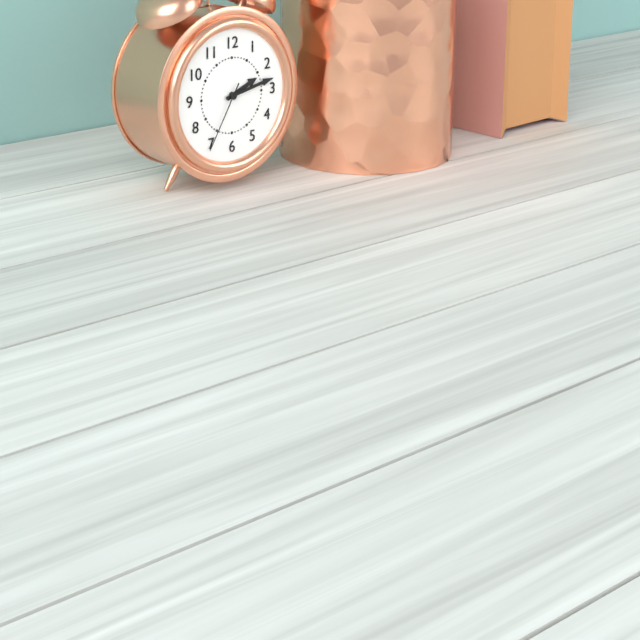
2.13.35
